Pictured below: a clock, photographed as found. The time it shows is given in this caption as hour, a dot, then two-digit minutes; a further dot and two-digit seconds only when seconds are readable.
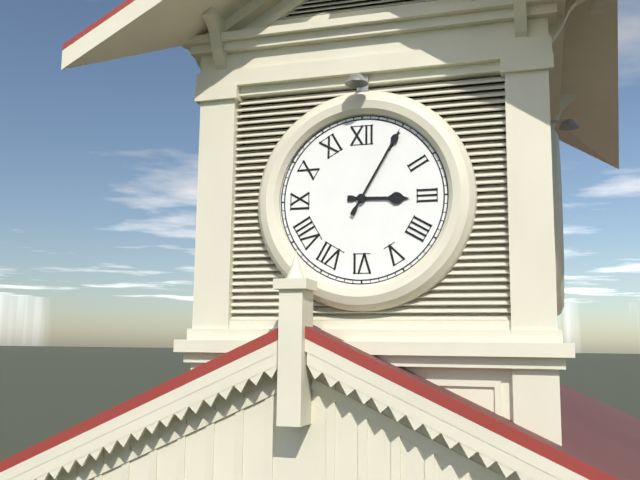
3.05
